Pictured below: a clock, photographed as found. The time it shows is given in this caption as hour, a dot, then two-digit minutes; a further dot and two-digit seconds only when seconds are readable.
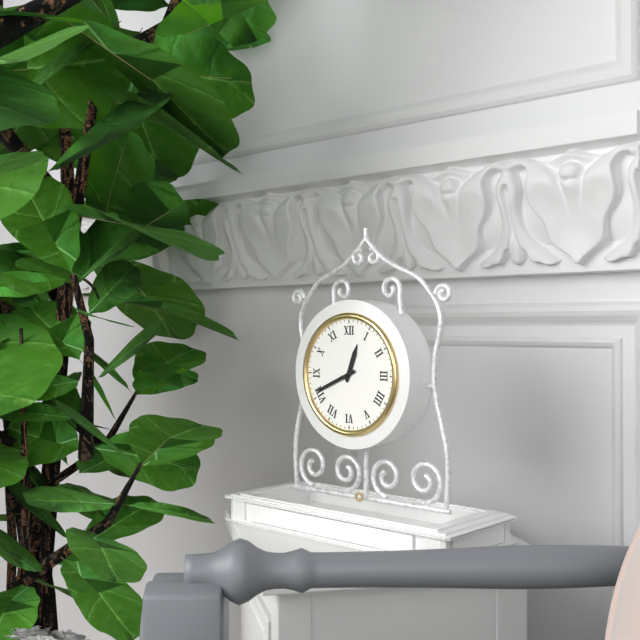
12.41
